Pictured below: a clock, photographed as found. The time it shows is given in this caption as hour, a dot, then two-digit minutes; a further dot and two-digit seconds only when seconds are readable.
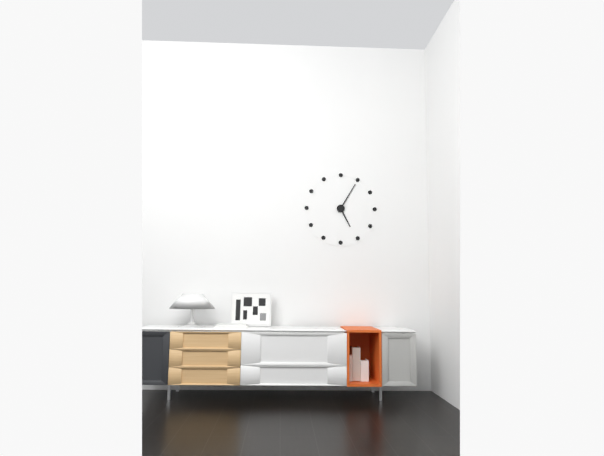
5.05
